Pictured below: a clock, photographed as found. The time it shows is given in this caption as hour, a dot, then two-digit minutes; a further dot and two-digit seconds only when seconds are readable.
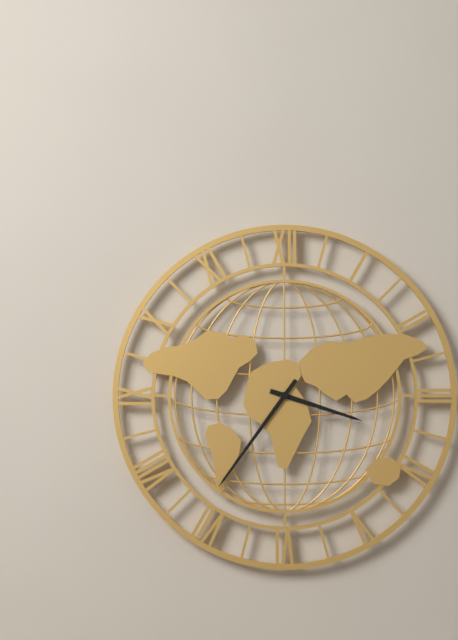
3.36
